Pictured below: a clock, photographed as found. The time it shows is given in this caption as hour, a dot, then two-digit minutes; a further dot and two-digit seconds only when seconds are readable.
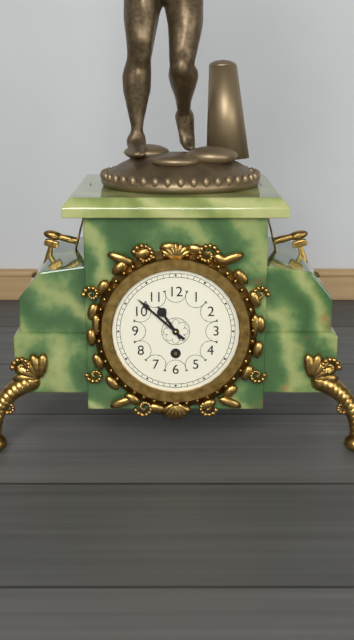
10.52
